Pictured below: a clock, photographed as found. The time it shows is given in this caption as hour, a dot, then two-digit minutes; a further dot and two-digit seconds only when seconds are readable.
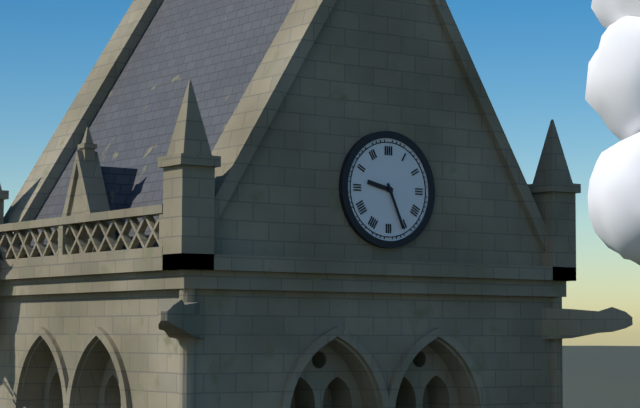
9.26
